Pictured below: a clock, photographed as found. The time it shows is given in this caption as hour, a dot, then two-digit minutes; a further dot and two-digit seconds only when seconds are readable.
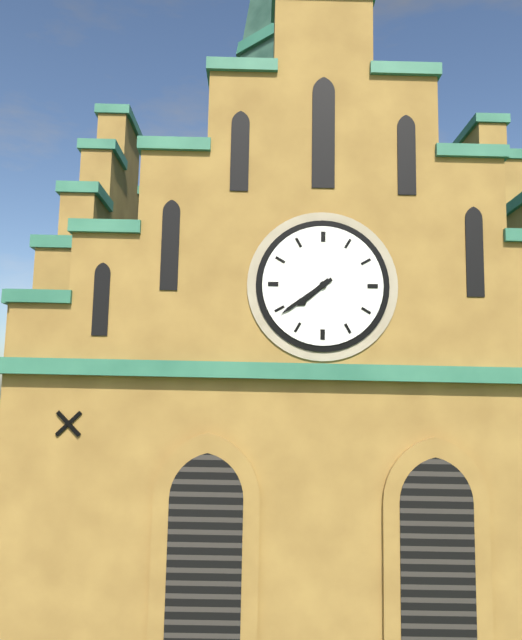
7.39
